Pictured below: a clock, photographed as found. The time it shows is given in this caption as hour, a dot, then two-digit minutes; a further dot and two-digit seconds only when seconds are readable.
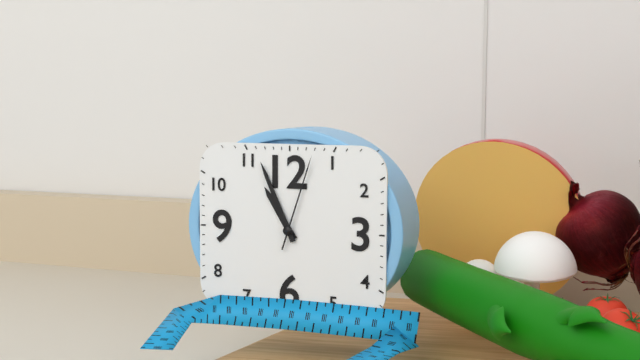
10.56.03
